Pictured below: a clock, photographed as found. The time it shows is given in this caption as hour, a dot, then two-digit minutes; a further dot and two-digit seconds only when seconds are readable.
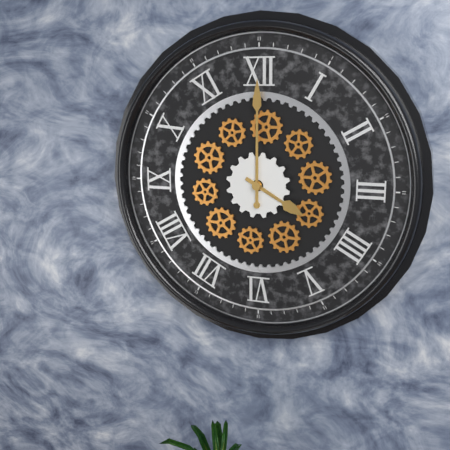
4.00
